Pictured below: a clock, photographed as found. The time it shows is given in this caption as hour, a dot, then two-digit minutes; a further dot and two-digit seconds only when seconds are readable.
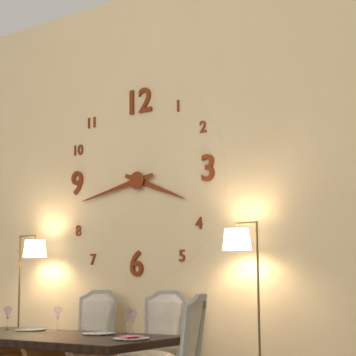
3.43
